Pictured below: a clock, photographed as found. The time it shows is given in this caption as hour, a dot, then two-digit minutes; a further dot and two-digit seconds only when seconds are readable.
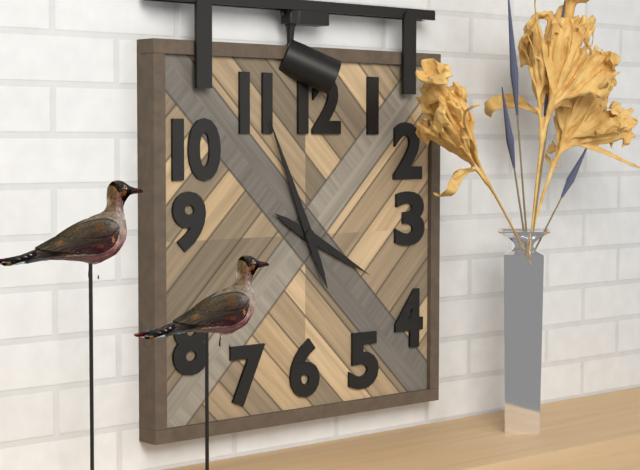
3.56
